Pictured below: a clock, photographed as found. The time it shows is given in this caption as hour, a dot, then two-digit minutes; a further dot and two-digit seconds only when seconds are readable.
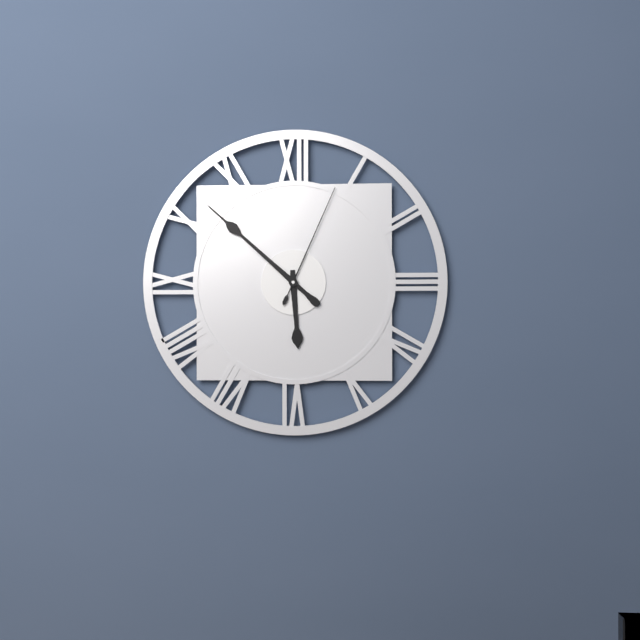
5.52.04
